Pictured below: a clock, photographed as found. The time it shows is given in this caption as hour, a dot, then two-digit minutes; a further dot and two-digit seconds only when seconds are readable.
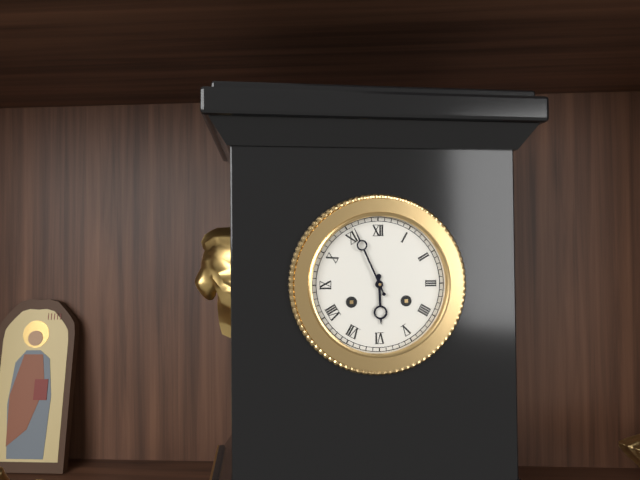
5.56
